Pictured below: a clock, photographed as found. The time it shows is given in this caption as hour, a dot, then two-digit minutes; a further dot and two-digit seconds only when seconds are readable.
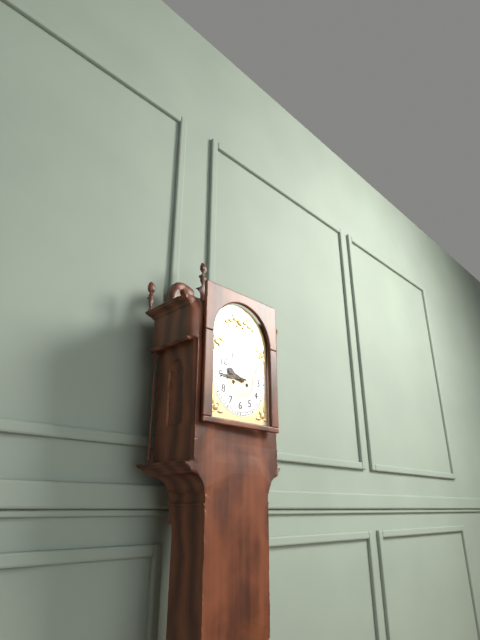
9.45
